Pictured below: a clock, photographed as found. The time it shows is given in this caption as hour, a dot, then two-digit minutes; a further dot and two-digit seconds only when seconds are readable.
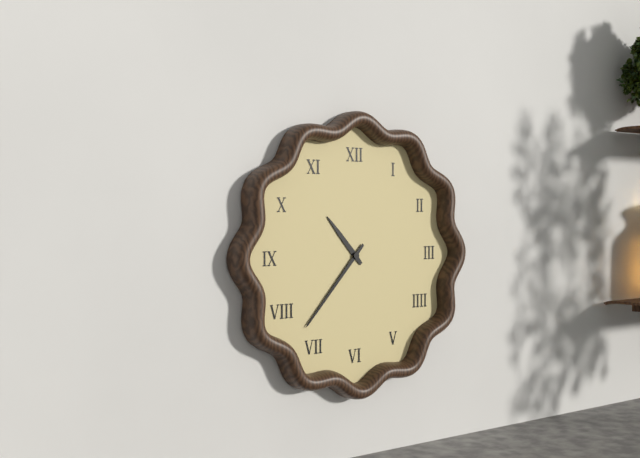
10.37
